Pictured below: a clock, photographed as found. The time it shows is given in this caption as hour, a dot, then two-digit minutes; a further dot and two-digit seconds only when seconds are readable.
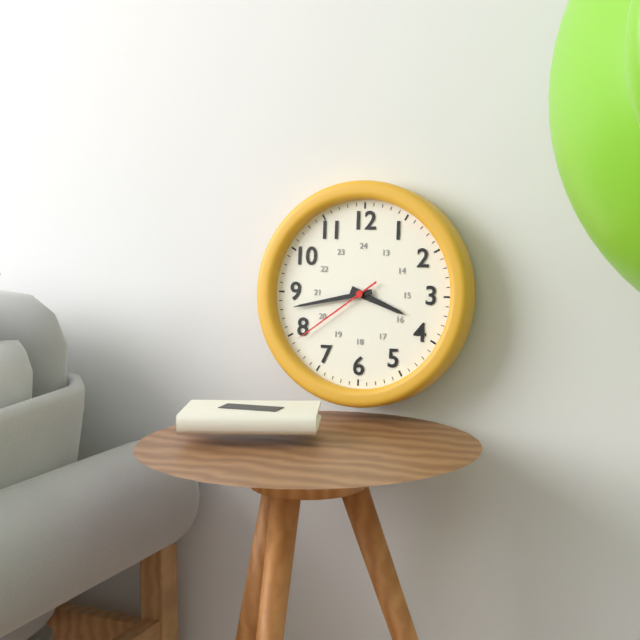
3.43.39
